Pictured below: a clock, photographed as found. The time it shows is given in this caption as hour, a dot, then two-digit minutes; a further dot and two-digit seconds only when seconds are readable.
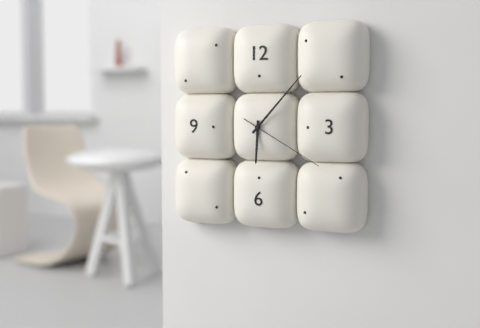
6.07.20
